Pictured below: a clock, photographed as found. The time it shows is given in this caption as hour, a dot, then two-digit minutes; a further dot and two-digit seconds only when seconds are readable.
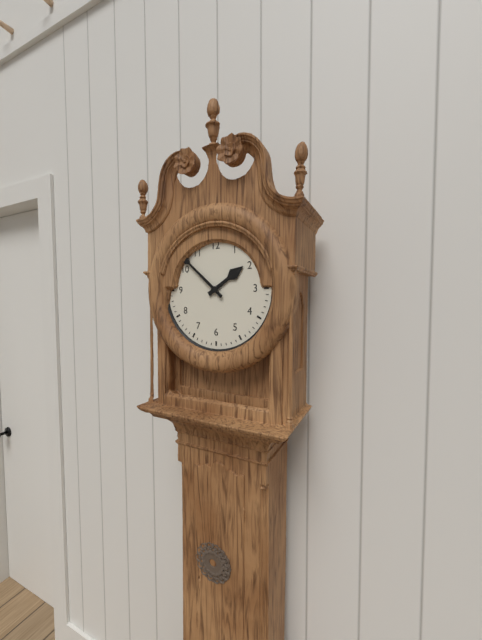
1.52
